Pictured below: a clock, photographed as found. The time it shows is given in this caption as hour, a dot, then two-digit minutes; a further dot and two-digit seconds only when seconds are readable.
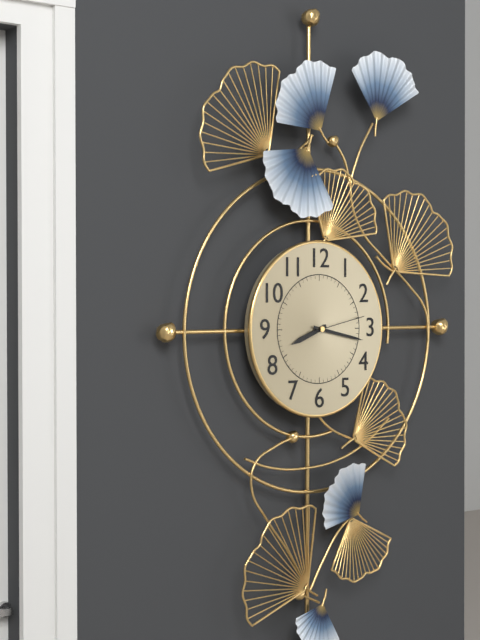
8.17.13
